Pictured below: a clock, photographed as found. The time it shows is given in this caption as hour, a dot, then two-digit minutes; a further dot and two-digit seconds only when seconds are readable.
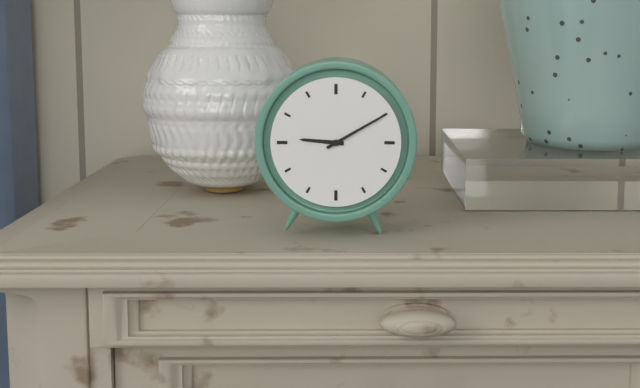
9.10
